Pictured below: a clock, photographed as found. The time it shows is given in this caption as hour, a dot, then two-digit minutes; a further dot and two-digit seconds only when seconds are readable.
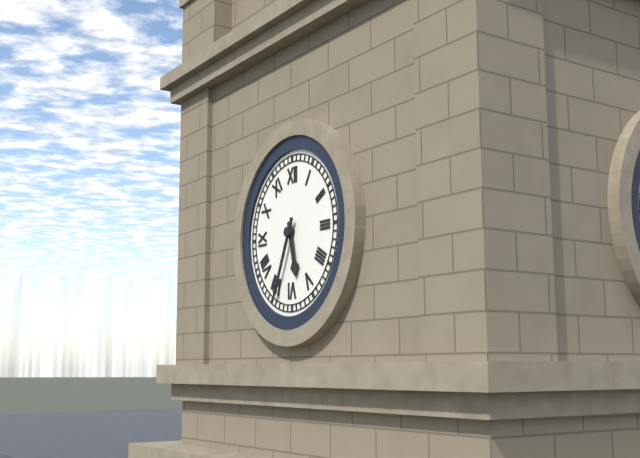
5.34
